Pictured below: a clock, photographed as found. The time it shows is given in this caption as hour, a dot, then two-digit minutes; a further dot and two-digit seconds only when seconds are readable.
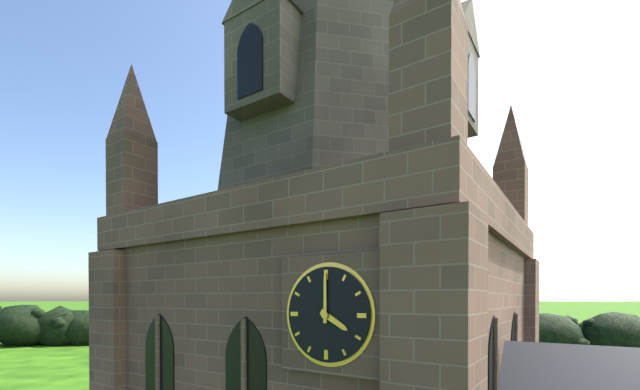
4.00
